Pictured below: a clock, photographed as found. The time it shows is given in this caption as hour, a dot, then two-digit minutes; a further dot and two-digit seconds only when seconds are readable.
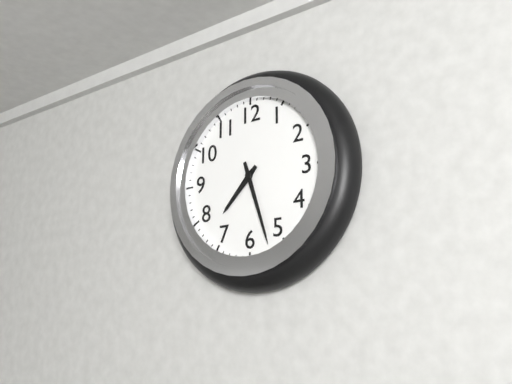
7.27
